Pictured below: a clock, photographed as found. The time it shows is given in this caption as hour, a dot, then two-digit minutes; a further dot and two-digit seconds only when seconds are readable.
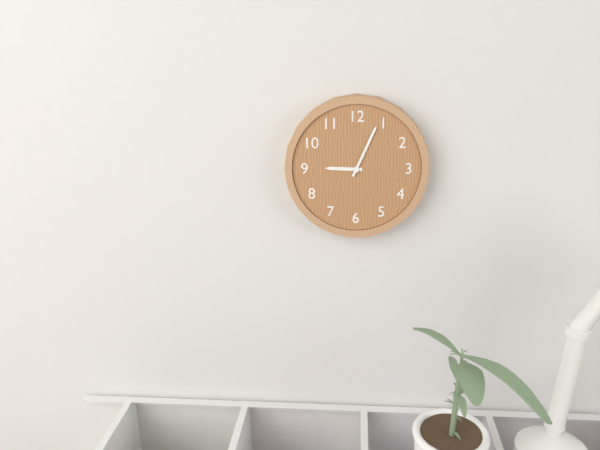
9.04
